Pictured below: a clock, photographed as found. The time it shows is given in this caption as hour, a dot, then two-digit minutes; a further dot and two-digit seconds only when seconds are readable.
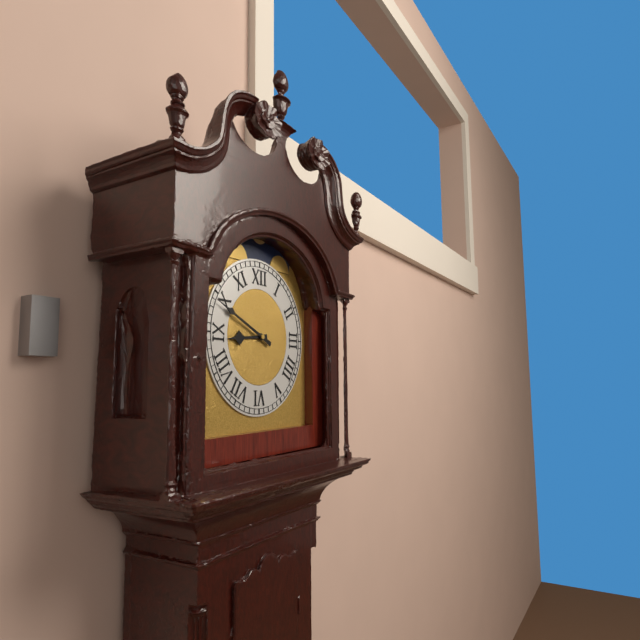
8.49
